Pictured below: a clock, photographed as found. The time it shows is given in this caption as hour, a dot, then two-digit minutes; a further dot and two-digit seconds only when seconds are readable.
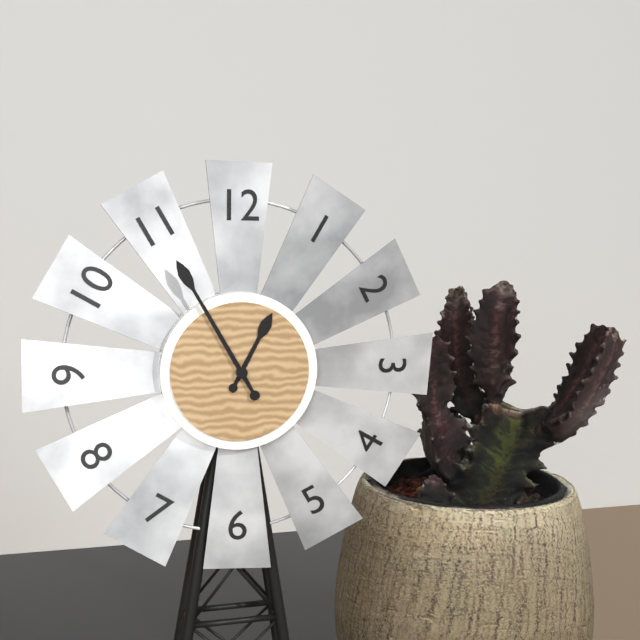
12.55
